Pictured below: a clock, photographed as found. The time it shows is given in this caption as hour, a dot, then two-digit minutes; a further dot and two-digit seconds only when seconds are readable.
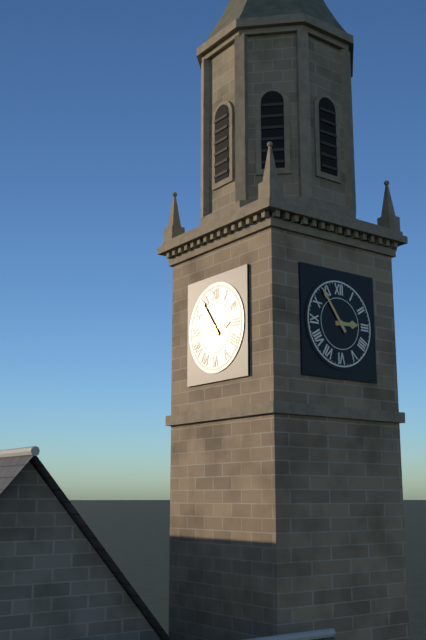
2.54
